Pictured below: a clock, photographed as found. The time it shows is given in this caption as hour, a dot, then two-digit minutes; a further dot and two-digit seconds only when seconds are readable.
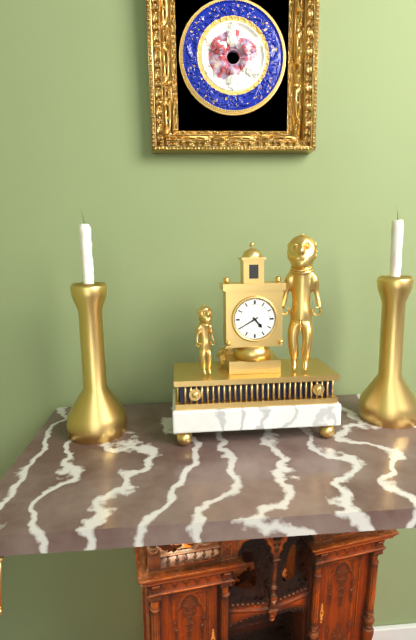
4.40
